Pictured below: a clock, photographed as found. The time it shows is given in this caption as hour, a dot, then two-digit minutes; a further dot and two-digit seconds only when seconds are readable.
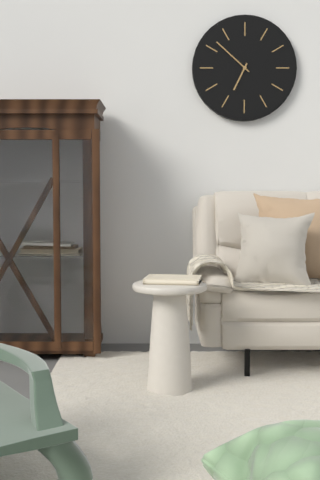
6.52
